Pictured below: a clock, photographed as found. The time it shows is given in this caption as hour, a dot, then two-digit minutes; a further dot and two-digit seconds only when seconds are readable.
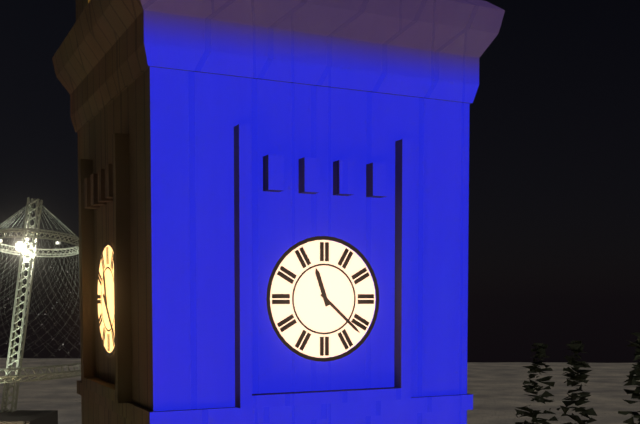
11.22
